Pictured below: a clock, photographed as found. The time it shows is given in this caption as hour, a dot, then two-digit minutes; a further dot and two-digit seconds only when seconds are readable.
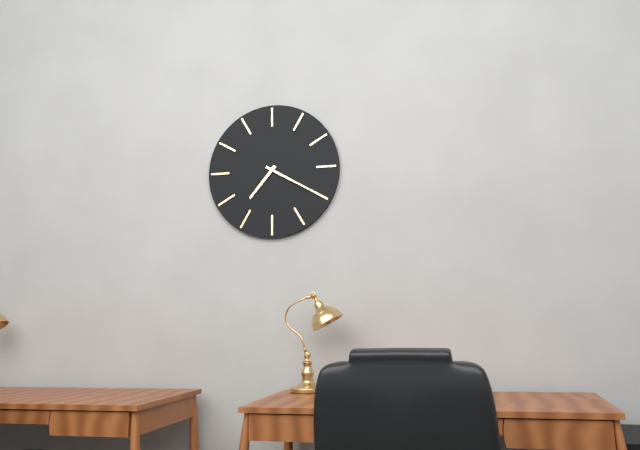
7.20
